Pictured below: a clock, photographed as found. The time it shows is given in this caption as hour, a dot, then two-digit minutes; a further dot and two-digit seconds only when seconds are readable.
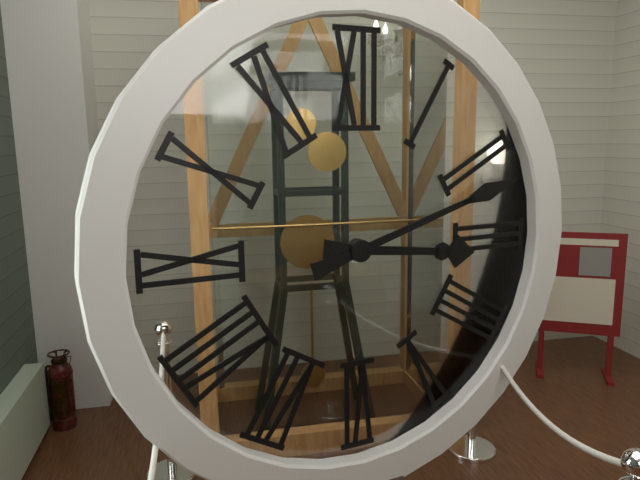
3.12
